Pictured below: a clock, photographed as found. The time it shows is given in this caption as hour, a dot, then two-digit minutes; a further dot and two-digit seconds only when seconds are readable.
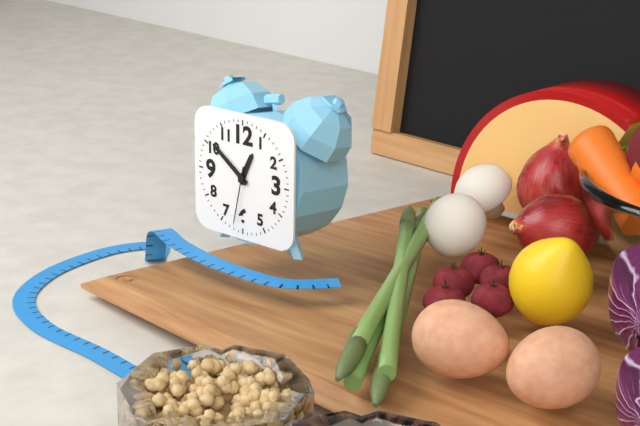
12.51.32
